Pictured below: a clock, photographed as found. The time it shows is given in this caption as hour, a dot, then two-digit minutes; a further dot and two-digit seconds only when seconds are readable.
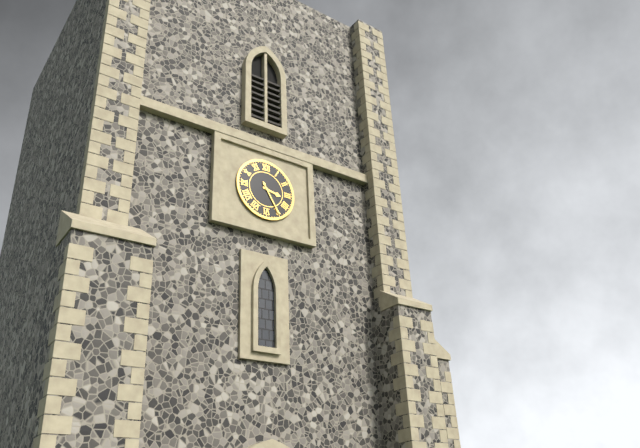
3.25
